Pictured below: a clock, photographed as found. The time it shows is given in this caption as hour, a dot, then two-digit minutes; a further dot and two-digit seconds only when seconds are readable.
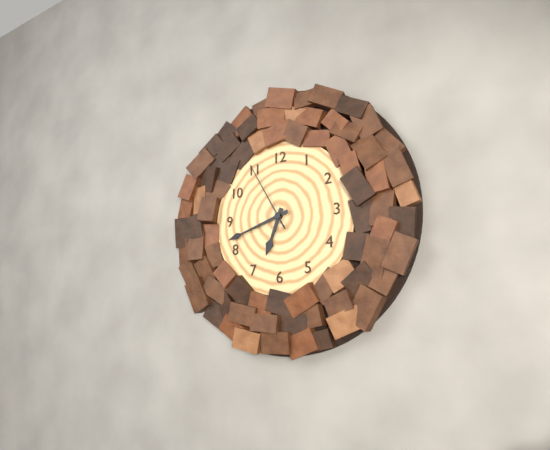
6.42.55
